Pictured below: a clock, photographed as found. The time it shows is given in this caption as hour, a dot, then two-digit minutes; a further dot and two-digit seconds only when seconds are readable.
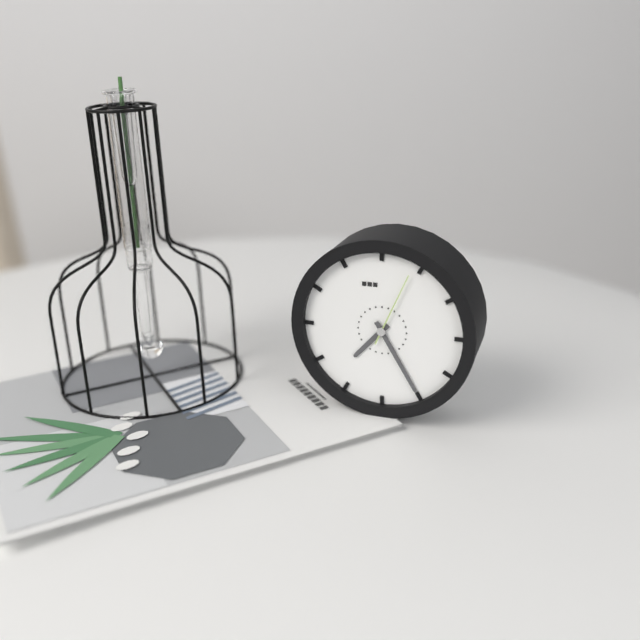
7.25.04
